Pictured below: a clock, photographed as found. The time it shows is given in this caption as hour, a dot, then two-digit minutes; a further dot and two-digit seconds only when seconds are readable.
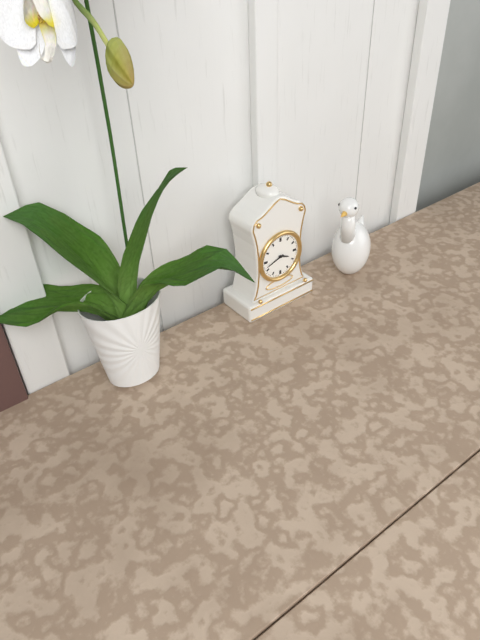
3.42
